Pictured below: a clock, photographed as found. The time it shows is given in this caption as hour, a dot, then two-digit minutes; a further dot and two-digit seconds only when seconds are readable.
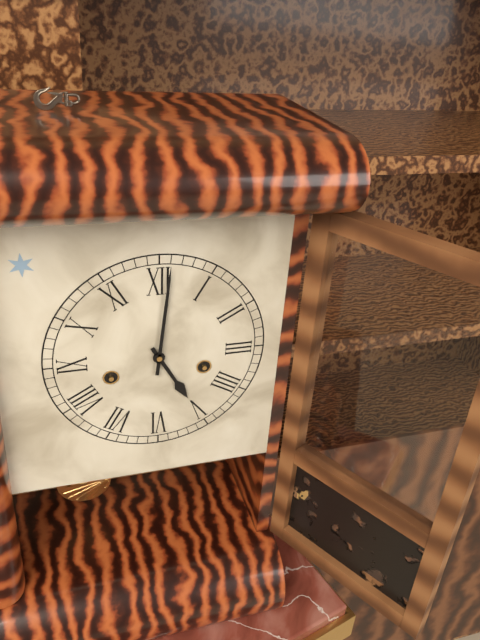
5.01
